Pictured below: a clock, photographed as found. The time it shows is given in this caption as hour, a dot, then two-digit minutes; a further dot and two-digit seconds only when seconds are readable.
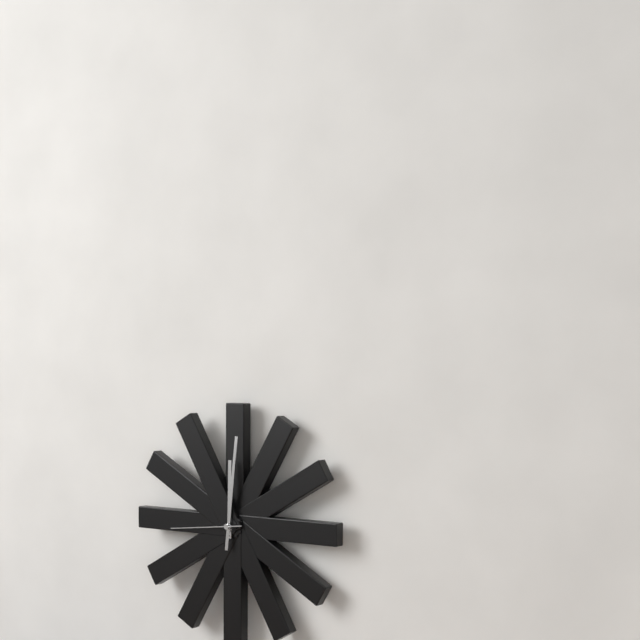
12.01.44
